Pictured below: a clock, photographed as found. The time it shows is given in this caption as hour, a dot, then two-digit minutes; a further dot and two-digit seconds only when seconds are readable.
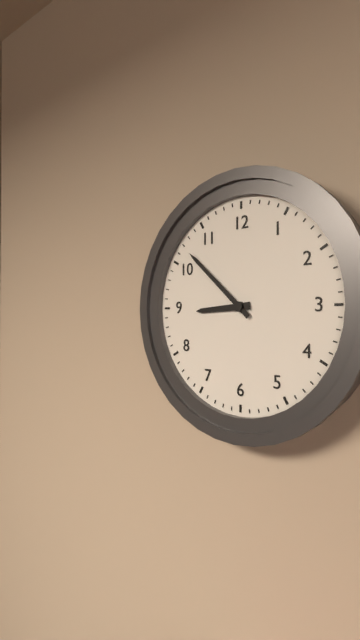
8.52
